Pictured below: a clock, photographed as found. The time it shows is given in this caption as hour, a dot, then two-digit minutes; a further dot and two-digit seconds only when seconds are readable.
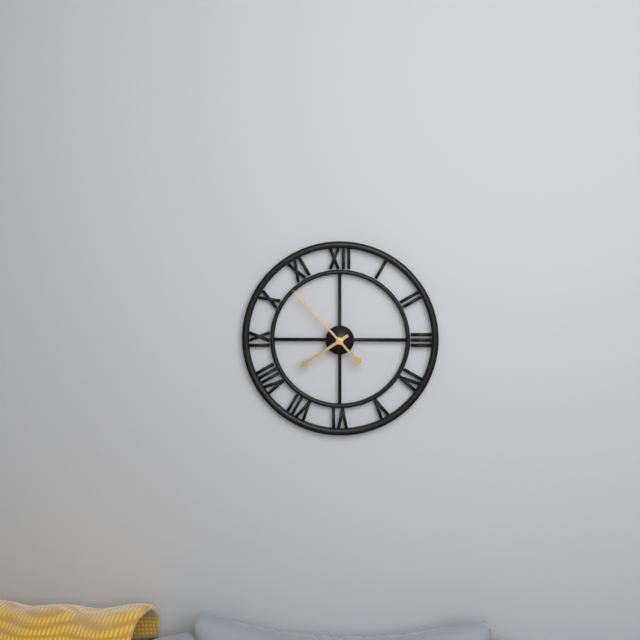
7.53
